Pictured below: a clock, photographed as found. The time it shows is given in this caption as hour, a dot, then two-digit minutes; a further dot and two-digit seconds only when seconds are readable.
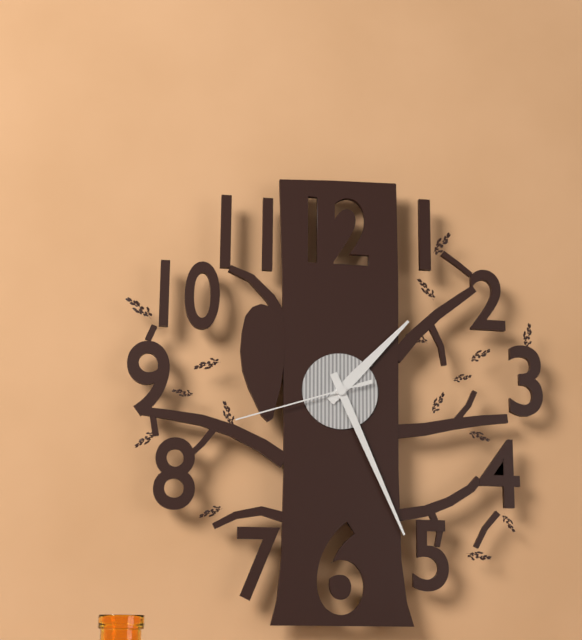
1.26.42
